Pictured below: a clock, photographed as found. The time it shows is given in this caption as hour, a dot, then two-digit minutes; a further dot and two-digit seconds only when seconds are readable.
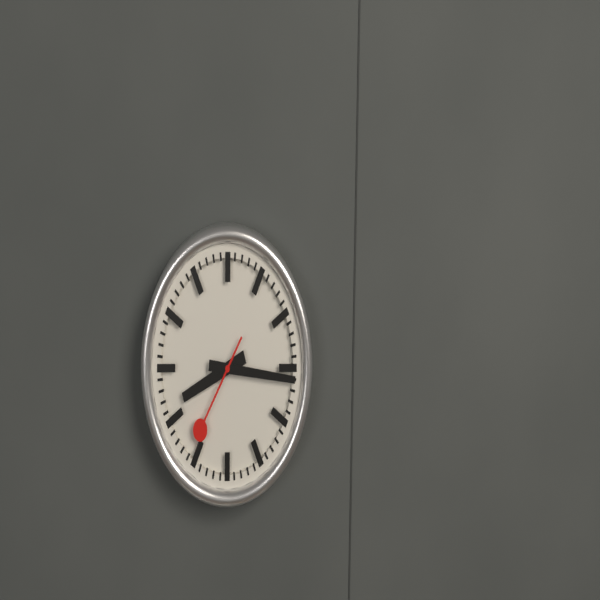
8.16.36
